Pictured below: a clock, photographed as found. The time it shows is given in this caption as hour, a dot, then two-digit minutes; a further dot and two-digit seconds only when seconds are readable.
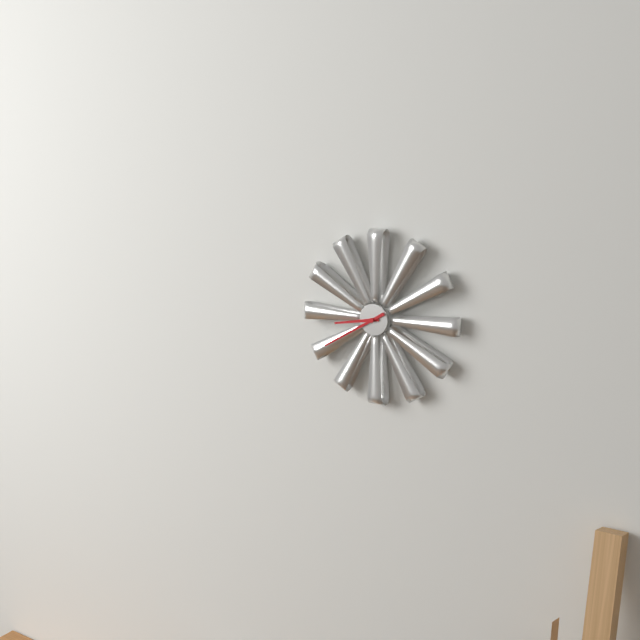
8.40
